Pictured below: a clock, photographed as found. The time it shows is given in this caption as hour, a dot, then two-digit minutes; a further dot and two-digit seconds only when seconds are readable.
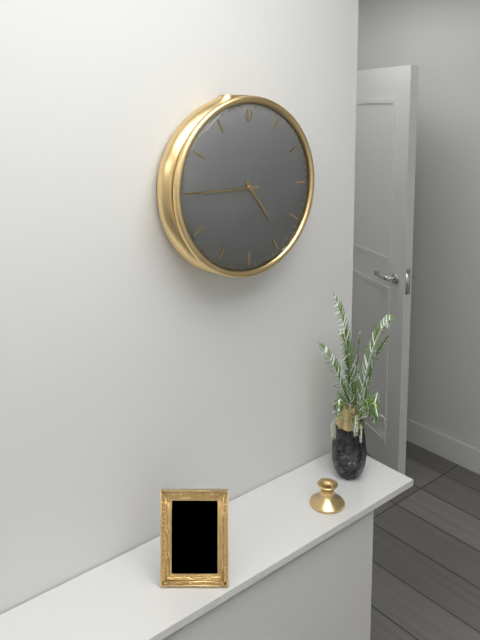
4.45
